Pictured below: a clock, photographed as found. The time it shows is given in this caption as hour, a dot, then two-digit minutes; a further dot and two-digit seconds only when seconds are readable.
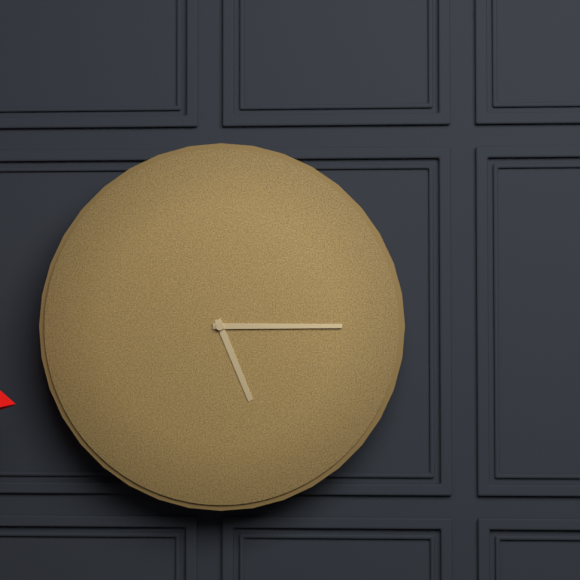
5.15
